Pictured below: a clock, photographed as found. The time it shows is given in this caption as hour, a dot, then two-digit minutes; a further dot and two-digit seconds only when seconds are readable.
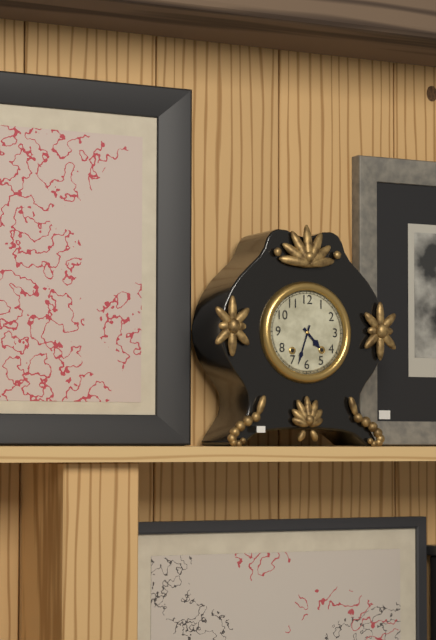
4.33
